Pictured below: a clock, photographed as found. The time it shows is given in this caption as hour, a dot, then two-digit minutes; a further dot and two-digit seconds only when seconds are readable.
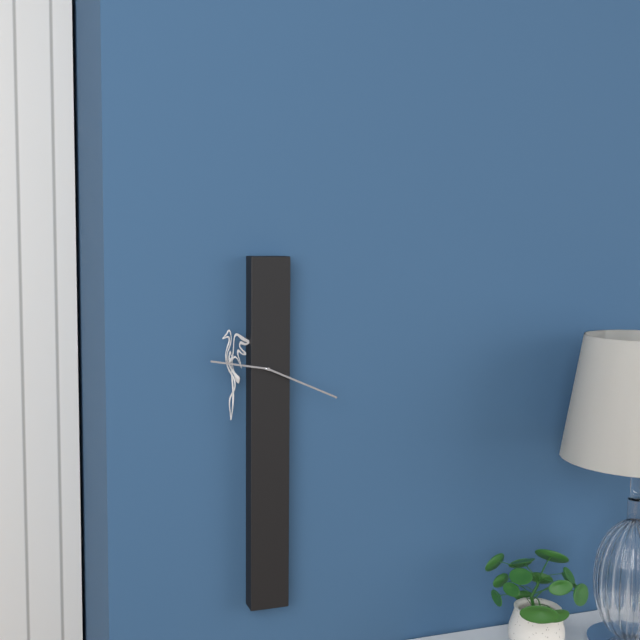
9.19
